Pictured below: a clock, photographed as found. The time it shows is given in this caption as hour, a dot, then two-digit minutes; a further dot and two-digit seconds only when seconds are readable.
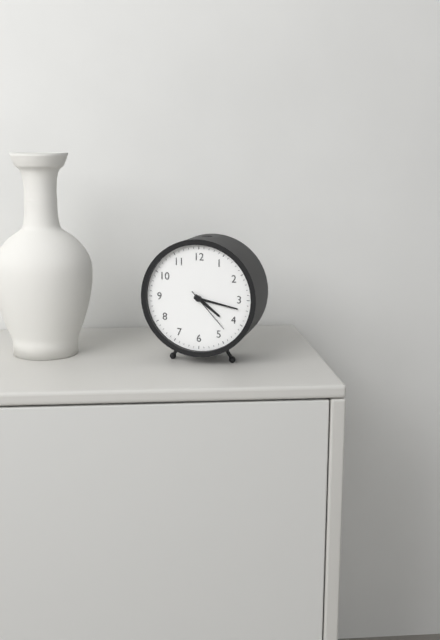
4.17.23
